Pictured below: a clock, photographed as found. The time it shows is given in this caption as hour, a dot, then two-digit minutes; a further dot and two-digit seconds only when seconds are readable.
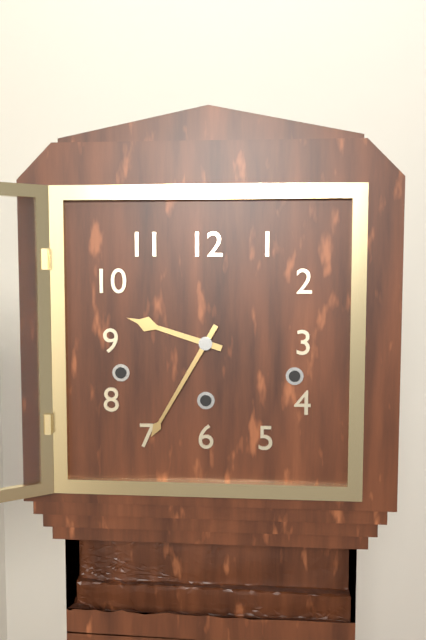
9.35
